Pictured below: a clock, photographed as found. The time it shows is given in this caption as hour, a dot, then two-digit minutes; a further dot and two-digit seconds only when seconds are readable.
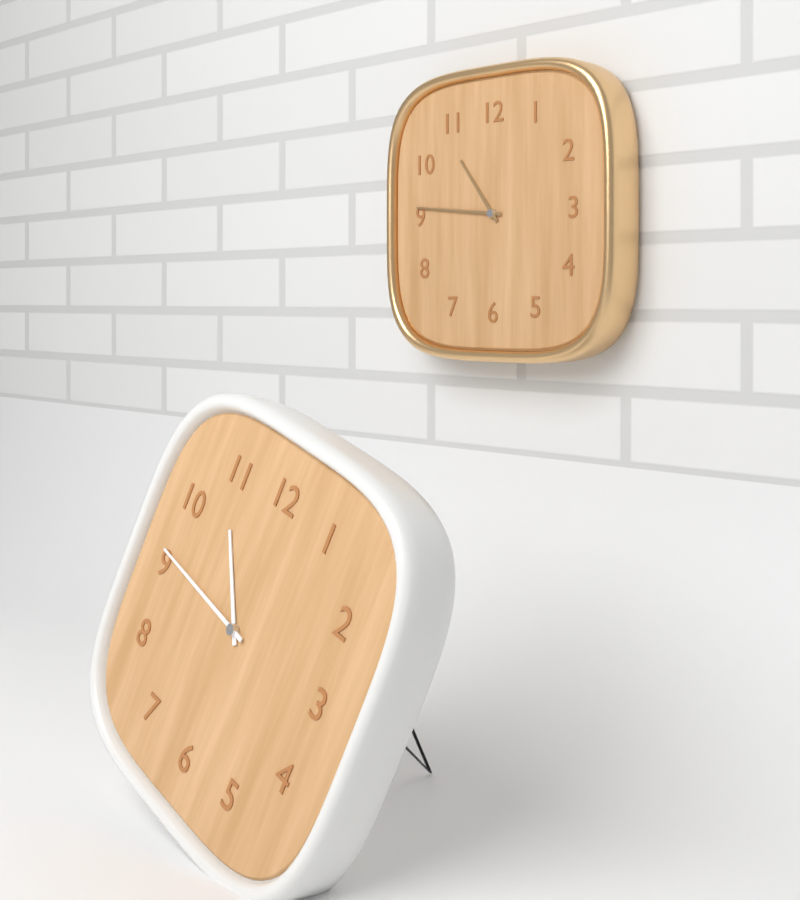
10.46
